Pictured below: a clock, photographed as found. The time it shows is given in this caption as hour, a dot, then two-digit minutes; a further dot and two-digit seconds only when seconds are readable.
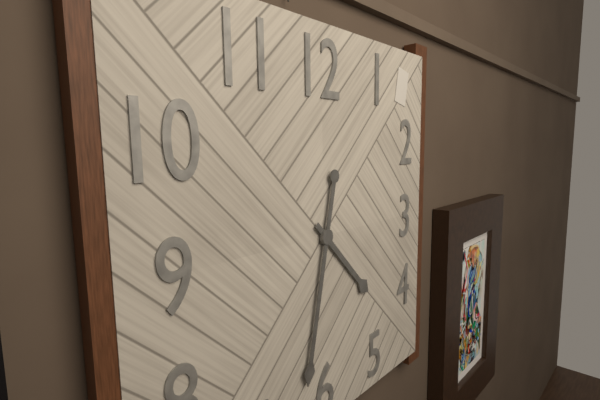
4.32
